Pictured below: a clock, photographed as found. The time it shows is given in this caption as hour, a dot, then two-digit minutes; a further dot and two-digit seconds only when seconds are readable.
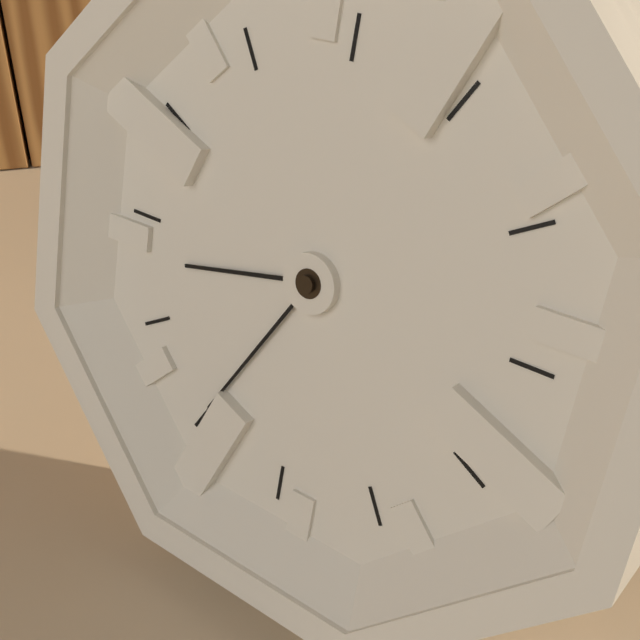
8.35
